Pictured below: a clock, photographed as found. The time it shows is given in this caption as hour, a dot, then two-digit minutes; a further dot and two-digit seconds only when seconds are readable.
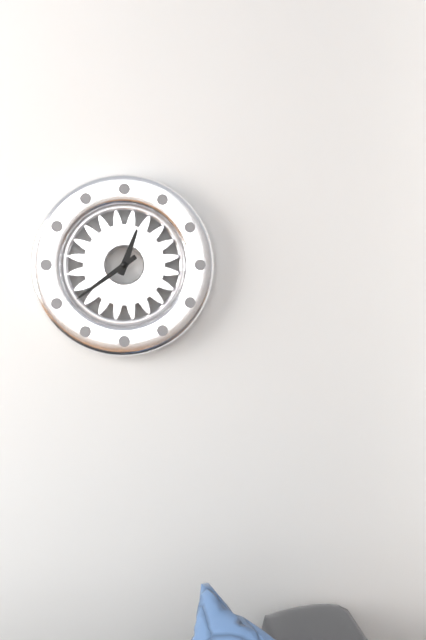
12.39
